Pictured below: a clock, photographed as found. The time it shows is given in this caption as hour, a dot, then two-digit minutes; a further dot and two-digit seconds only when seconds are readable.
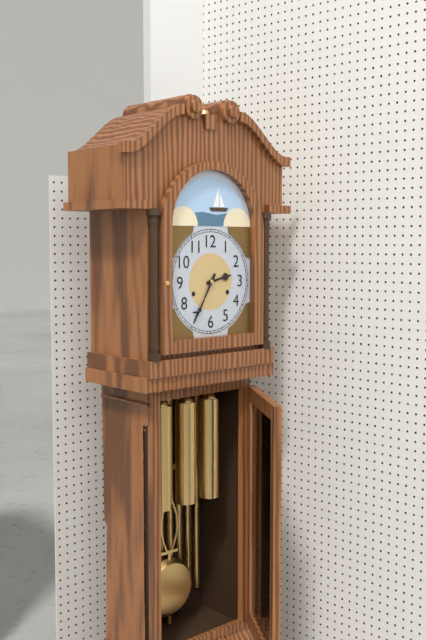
2.35
